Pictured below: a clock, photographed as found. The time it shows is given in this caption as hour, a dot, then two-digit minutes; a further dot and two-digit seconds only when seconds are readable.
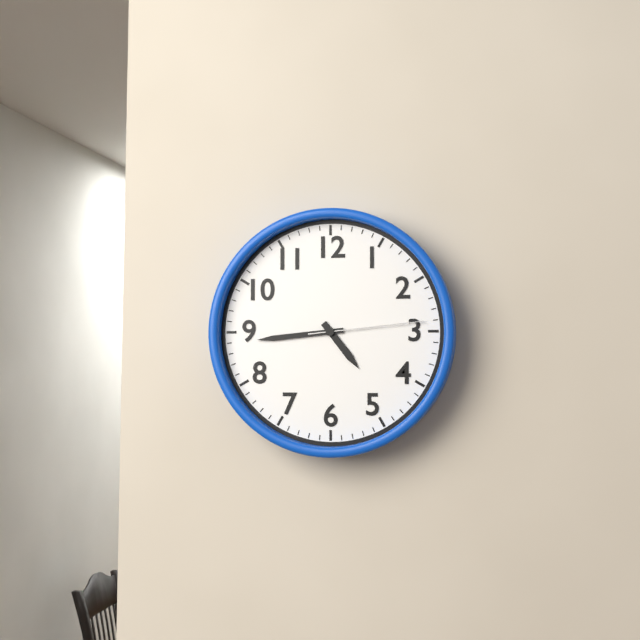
4.44.14
